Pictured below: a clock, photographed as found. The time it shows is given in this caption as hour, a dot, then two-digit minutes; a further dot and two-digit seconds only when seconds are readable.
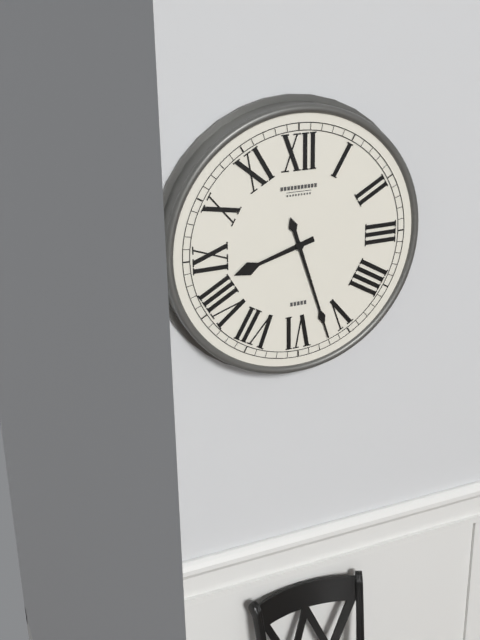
8.27
